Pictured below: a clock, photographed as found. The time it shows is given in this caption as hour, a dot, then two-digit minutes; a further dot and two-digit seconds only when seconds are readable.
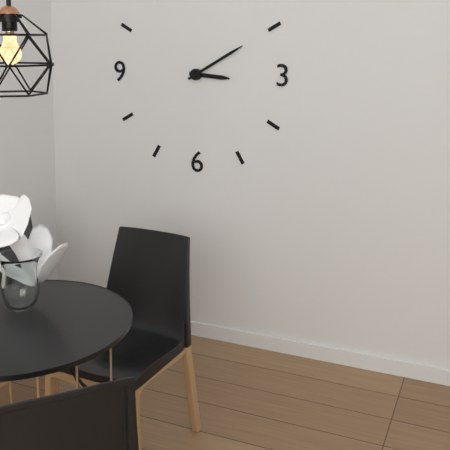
3.10
